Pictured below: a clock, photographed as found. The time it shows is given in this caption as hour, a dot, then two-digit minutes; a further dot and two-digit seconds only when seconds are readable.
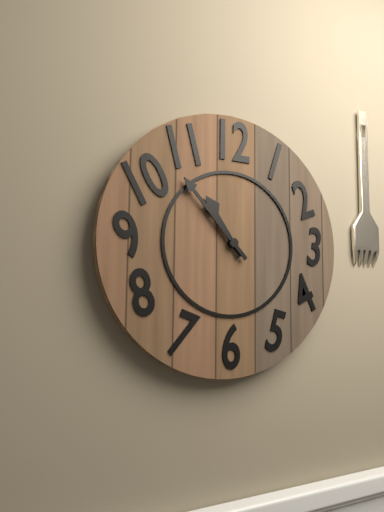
10.53
